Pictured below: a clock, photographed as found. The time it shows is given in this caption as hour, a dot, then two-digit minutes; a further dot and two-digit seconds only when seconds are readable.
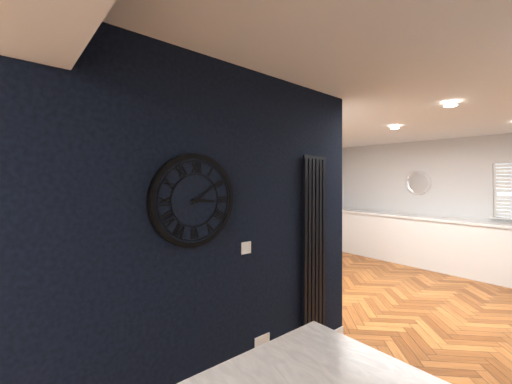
3.09
